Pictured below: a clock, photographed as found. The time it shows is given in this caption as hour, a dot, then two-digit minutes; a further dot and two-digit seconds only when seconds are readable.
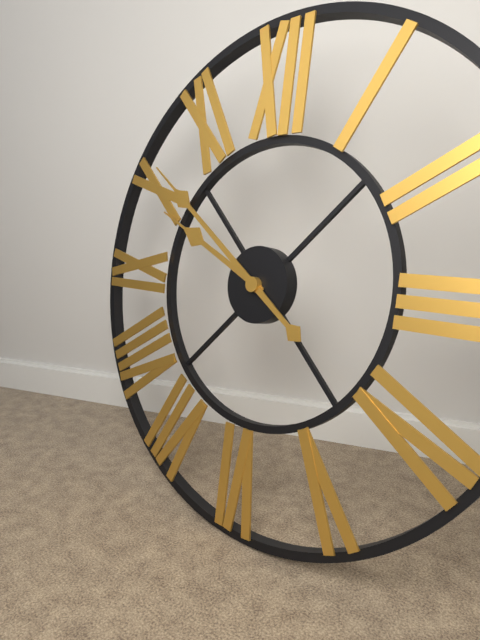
9.51
